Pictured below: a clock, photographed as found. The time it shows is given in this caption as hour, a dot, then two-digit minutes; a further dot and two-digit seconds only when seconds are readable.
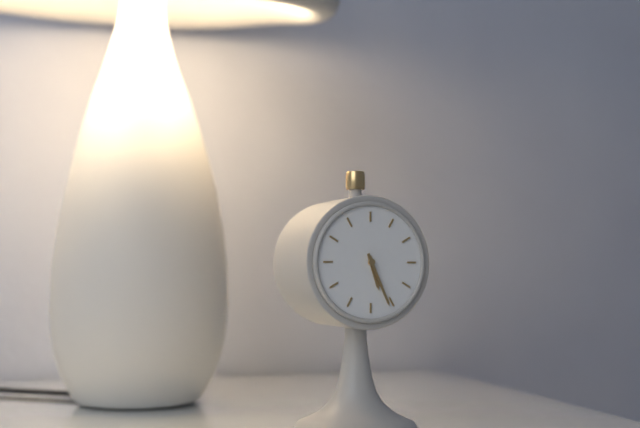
5.26
